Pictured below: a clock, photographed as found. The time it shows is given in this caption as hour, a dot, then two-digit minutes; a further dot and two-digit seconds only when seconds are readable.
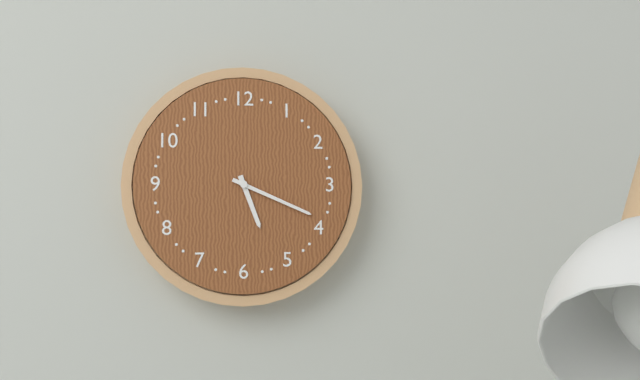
5.19
